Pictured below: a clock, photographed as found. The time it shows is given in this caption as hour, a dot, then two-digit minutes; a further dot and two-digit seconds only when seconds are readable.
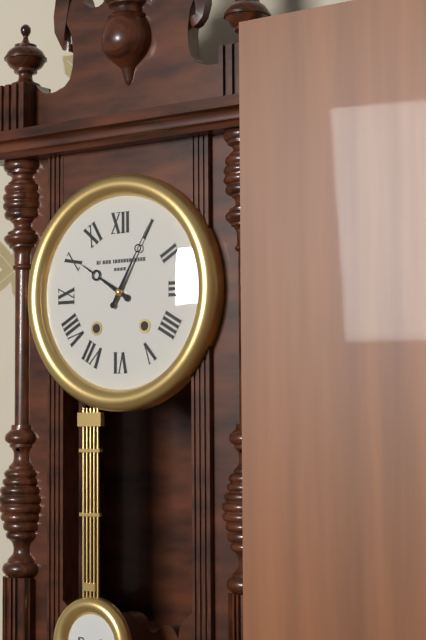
10.05
